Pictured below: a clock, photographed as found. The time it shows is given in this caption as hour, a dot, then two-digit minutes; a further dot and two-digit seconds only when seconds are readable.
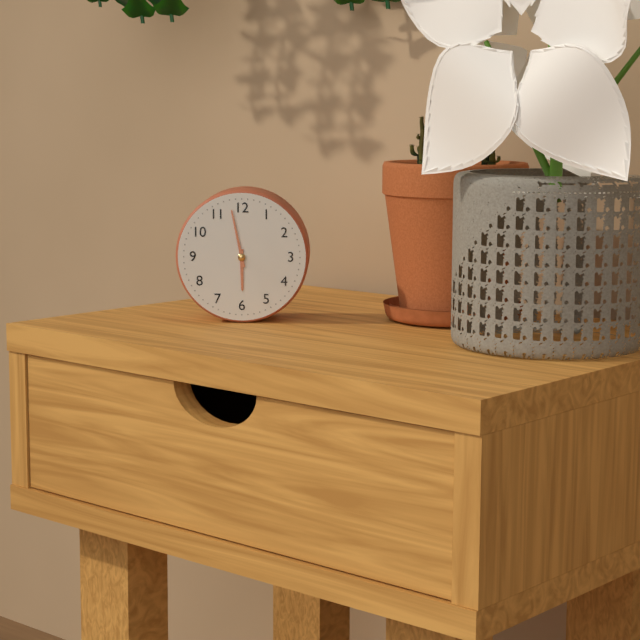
5.58
